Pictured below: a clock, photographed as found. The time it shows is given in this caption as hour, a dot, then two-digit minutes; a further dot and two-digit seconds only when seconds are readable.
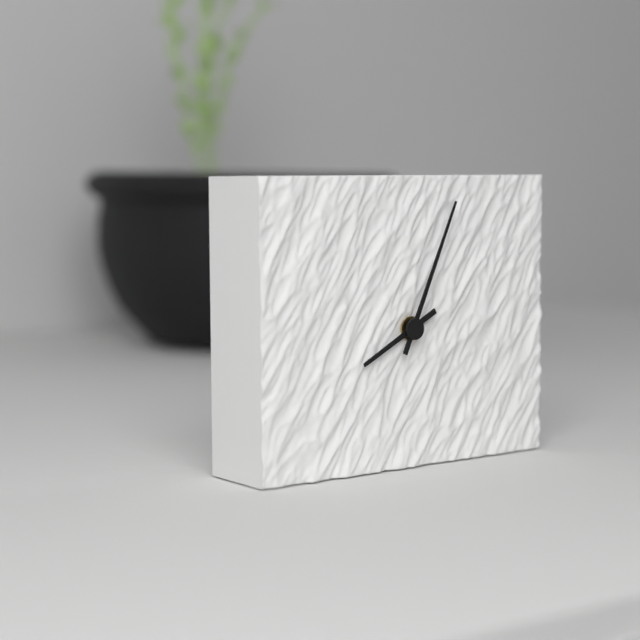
8.04
